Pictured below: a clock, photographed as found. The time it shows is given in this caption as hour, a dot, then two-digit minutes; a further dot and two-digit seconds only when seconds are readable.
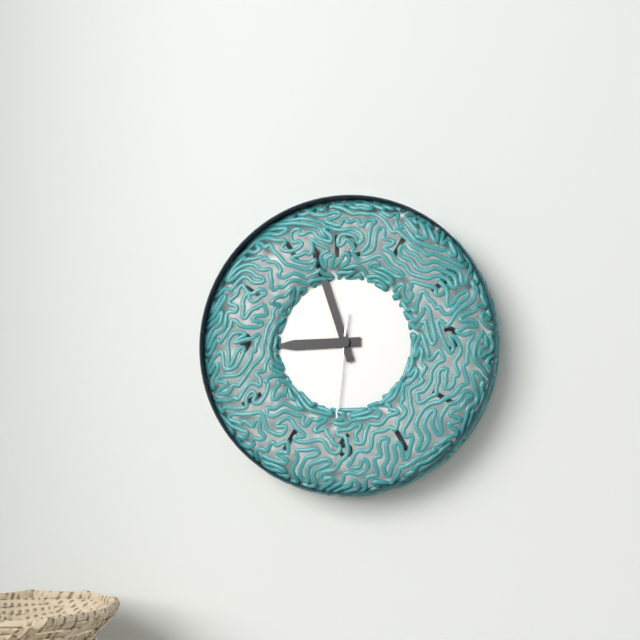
8.57.31
